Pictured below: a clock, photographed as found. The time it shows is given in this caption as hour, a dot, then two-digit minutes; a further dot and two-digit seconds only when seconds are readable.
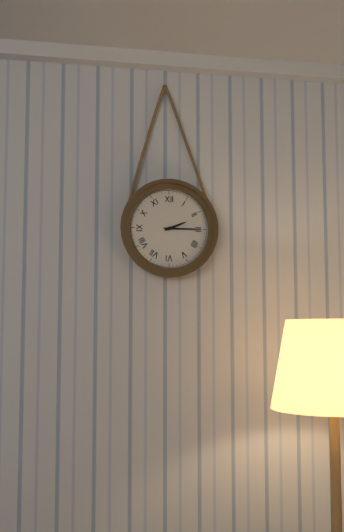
2.15
